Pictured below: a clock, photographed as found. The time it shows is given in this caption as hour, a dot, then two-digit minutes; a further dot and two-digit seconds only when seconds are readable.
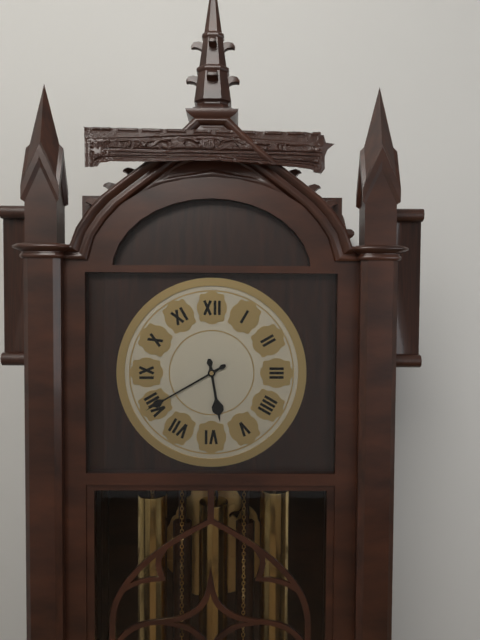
5.40
